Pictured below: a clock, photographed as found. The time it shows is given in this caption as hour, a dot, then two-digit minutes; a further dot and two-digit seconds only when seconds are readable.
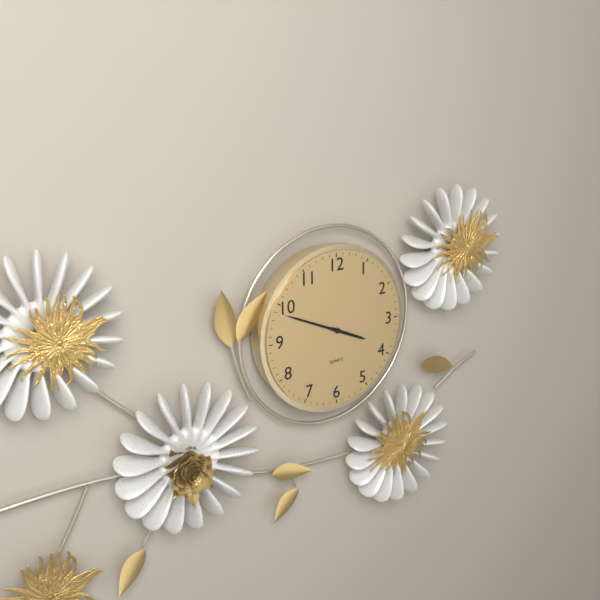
3.49
